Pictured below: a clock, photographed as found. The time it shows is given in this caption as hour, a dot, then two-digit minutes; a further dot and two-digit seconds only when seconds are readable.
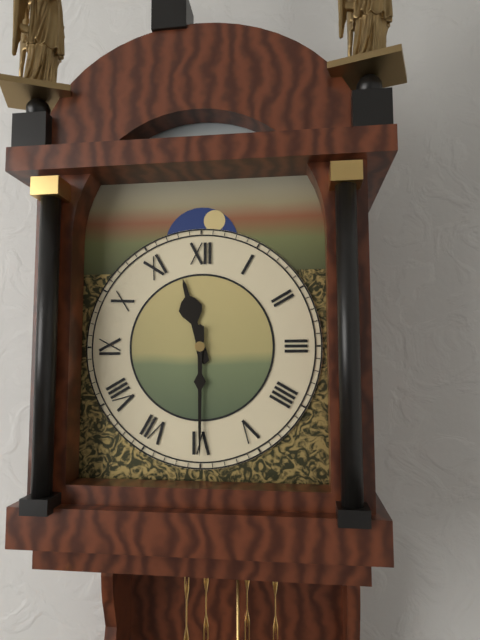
11.30
